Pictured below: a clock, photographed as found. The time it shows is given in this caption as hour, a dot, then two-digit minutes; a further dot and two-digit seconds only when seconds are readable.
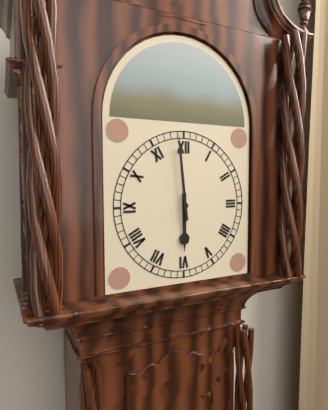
5.59
